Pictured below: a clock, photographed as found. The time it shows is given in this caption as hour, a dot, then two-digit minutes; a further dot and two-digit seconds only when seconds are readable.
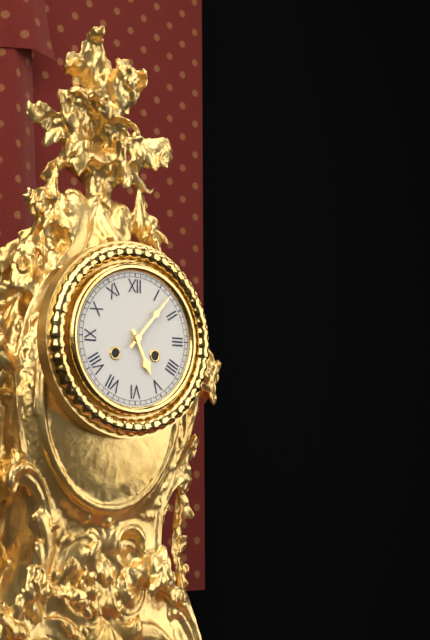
5.07
